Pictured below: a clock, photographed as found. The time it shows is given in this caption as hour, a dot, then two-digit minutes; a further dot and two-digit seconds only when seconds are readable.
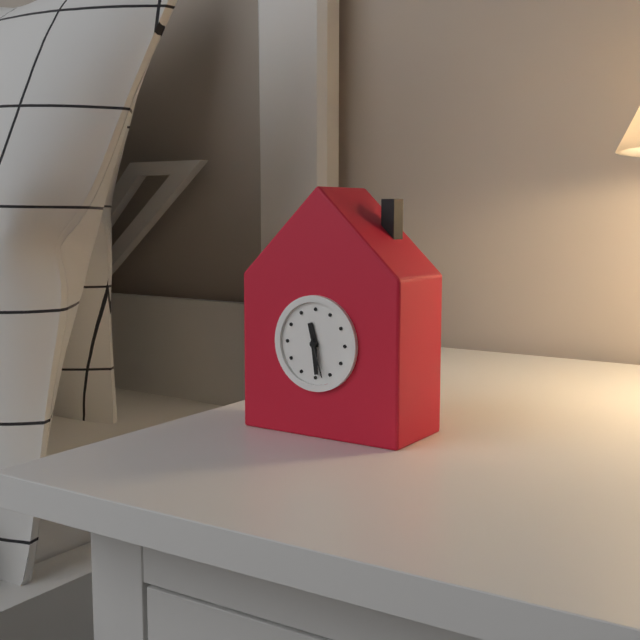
11.29
